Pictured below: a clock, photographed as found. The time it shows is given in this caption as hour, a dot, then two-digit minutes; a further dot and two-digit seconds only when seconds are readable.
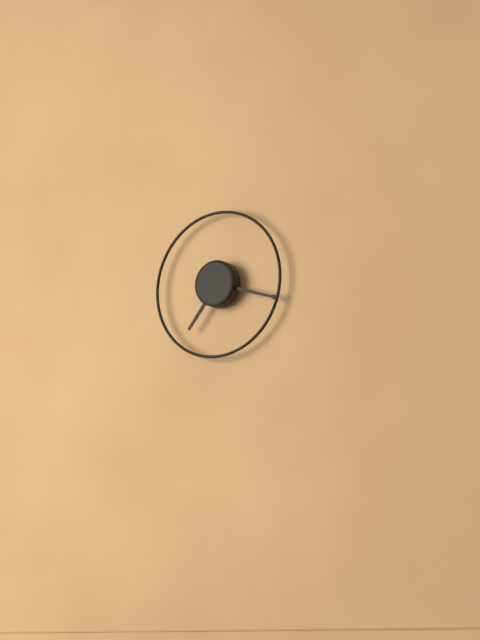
7.18
